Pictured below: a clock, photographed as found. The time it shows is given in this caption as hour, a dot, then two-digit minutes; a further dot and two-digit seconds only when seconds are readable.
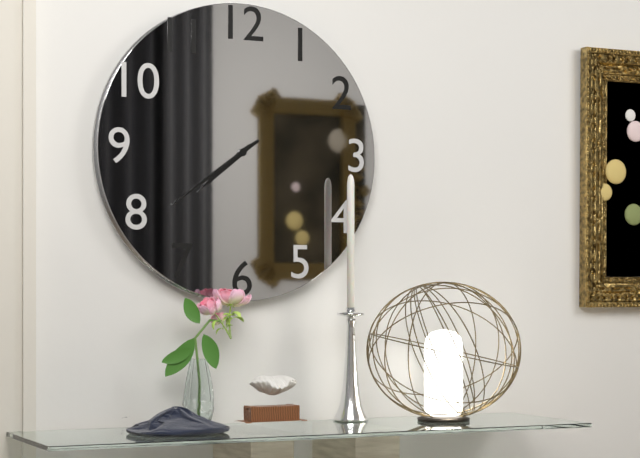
7.39
